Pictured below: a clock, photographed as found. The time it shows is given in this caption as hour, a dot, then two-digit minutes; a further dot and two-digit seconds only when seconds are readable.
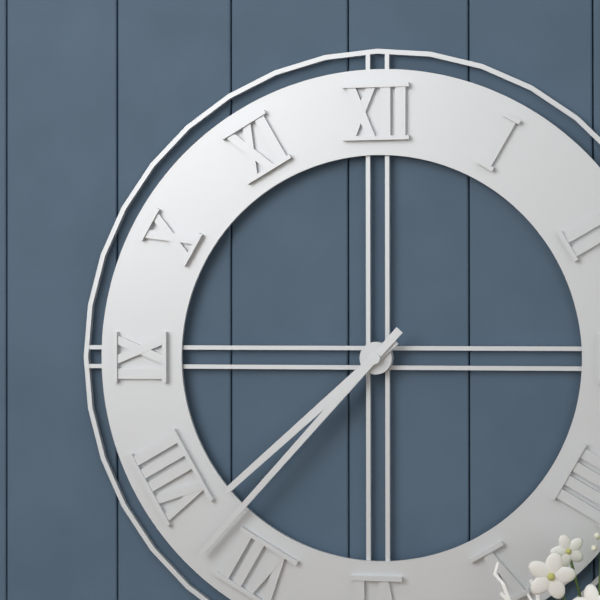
7.37
